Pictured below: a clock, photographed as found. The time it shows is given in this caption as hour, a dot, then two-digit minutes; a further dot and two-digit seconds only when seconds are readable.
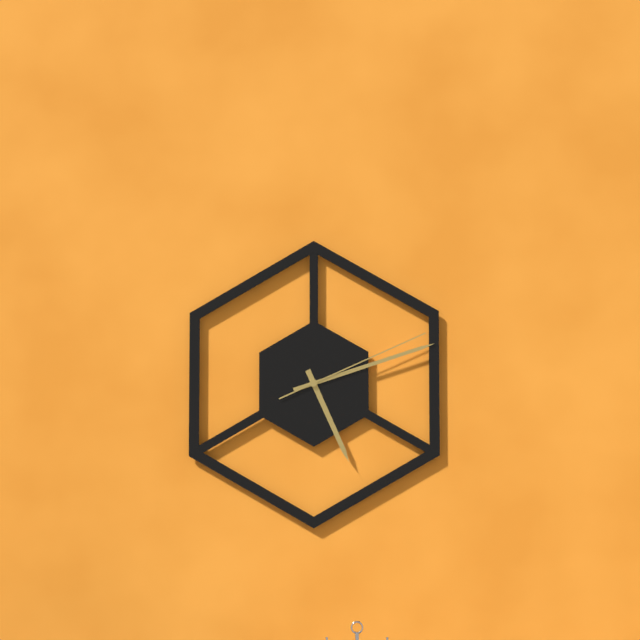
5.12.11
